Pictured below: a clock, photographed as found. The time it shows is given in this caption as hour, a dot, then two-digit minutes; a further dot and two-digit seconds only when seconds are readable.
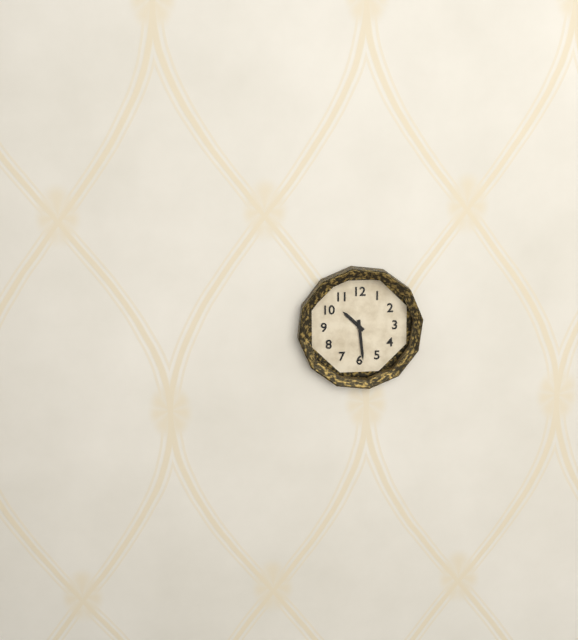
10.29
